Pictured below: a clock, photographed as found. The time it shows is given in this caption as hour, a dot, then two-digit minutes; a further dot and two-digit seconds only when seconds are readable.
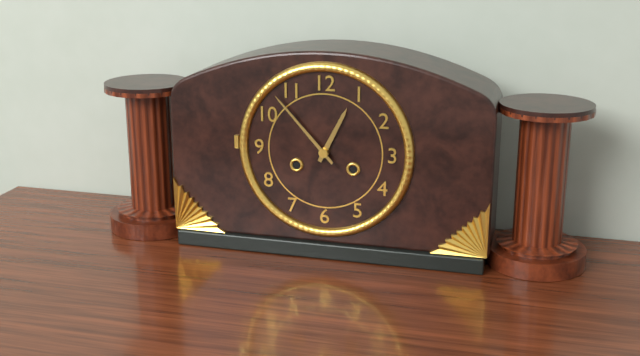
12.53
